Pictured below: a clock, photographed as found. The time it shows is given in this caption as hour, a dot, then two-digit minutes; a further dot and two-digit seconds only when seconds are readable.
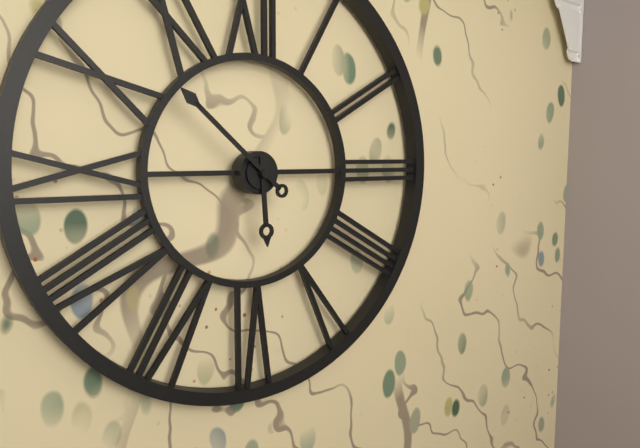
5.52
